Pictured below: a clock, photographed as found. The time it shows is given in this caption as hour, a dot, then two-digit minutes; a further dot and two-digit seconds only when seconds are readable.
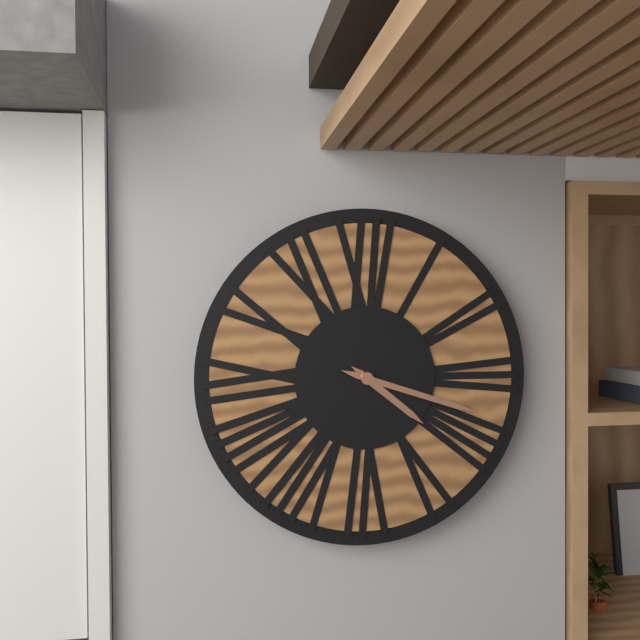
4.18
